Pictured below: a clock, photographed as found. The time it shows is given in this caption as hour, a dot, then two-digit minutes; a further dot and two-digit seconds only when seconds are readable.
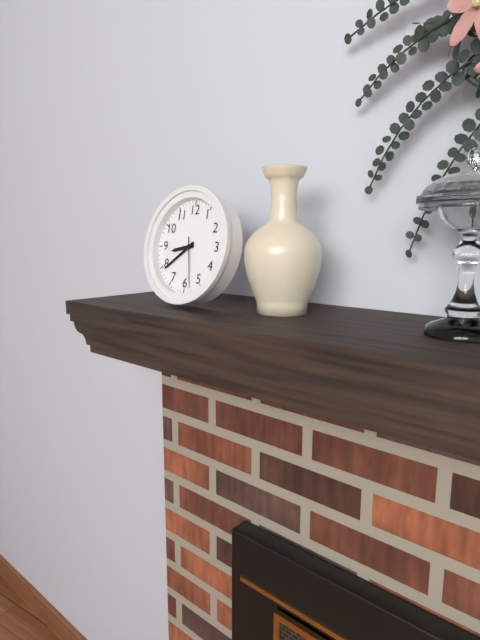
8.39.28
